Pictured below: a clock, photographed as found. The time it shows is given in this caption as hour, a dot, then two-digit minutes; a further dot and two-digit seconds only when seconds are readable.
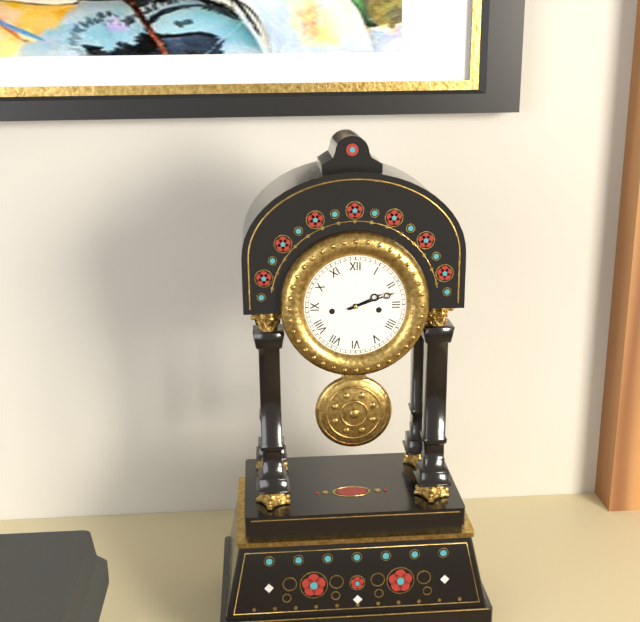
2.12
